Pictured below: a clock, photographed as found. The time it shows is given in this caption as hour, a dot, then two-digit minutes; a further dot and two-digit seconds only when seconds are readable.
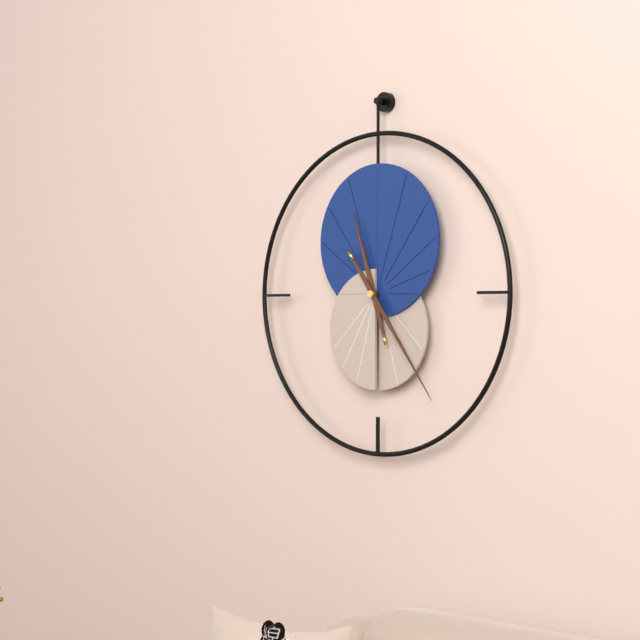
11.24
